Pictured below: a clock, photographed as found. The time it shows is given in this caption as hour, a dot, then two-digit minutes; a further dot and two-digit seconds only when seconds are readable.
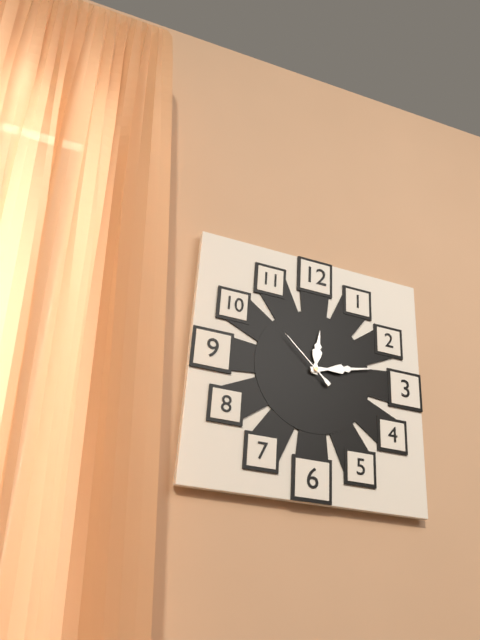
12.13.52
